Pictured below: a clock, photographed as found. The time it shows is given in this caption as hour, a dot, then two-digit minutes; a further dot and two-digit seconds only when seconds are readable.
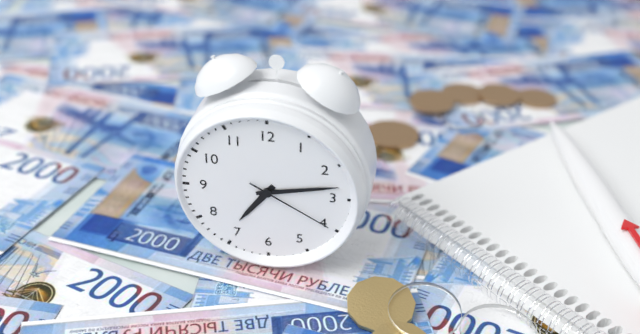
7.13.20
